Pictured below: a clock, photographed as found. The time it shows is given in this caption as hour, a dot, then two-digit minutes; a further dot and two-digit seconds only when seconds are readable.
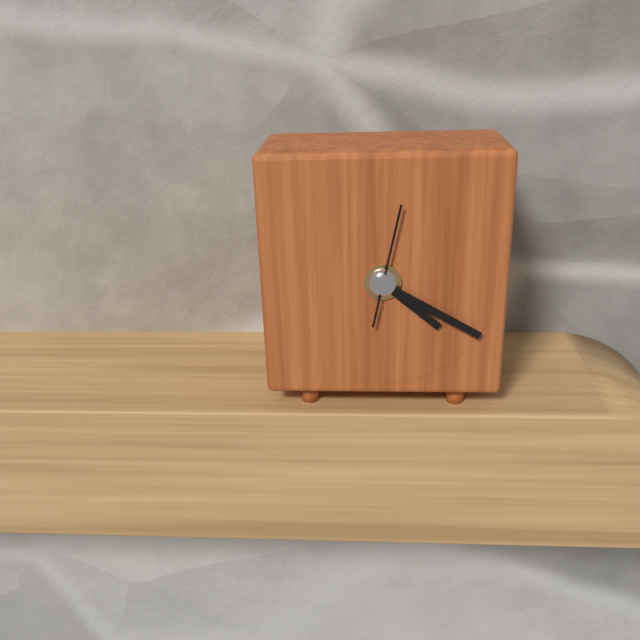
4.20.02
